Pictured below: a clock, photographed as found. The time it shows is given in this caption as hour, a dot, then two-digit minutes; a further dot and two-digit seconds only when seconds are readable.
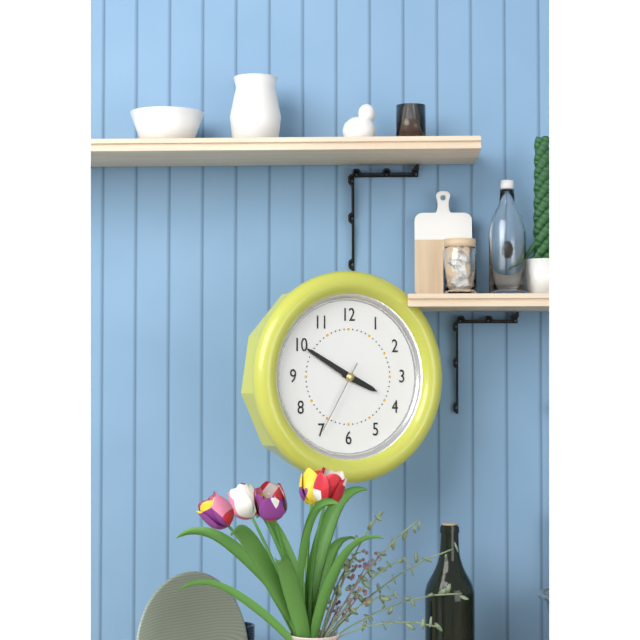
3.50.35
